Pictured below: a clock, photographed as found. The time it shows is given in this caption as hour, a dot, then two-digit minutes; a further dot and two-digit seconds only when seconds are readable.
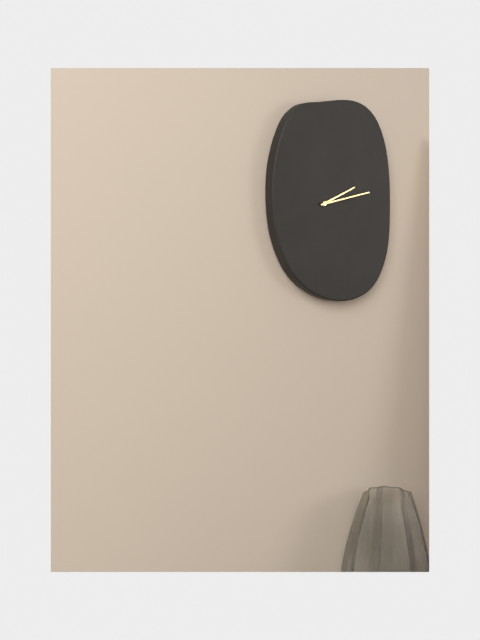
2.13
